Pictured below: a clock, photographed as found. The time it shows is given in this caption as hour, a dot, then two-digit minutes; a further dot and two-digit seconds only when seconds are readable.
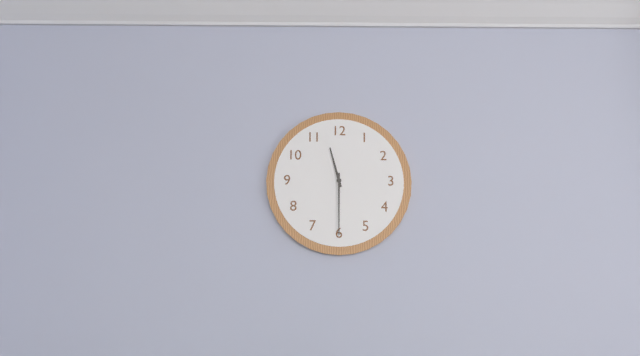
11.30
